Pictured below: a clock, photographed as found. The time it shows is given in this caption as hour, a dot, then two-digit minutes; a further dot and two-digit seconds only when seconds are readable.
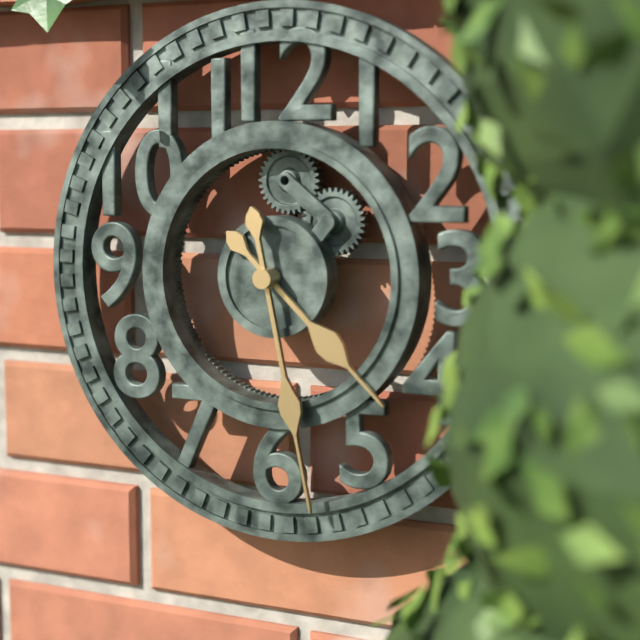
4.28
